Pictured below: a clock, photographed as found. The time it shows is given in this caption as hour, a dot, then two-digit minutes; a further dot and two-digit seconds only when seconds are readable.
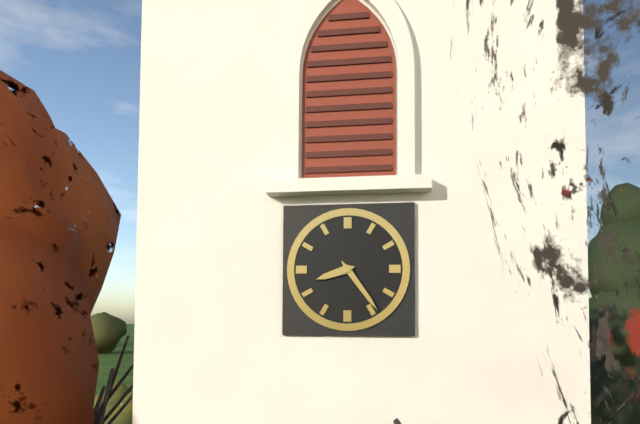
8.24
